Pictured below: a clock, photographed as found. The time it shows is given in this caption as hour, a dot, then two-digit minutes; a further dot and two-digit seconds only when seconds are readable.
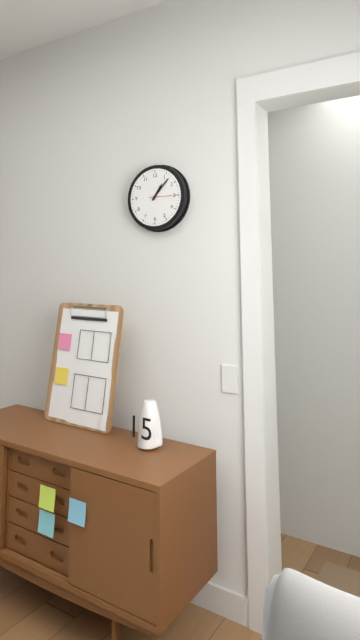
1.07
